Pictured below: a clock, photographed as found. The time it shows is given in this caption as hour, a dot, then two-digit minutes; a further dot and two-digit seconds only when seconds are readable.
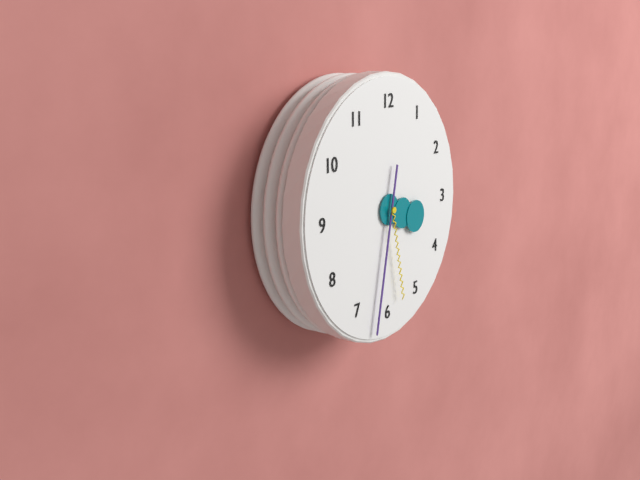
3.32.28
